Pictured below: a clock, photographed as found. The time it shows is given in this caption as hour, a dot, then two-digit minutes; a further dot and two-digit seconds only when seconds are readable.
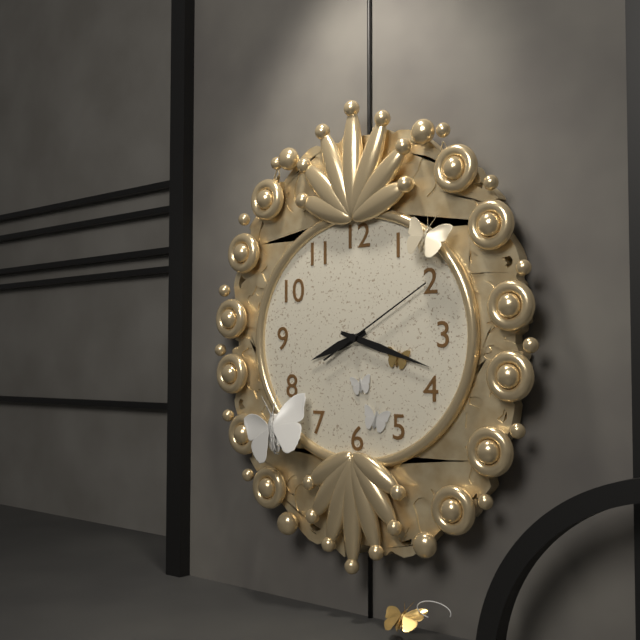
8.18.10
